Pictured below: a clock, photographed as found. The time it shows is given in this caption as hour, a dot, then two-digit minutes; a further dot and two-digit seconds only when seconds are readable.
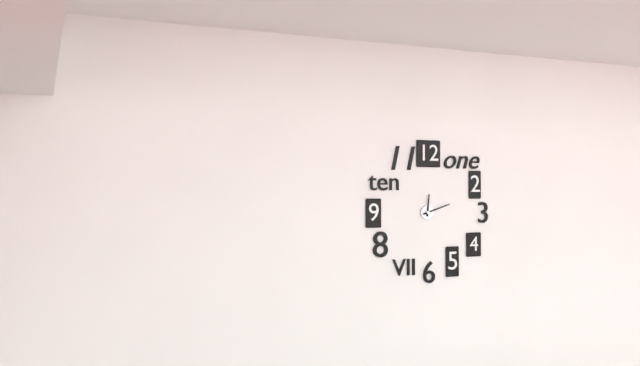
12.12
